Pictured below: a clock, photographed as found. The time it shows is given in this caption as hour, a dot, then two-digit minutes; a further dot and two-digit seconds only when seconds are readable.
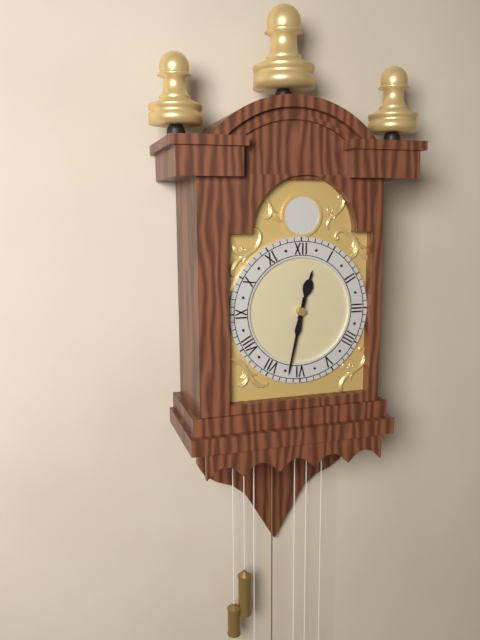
12.32
